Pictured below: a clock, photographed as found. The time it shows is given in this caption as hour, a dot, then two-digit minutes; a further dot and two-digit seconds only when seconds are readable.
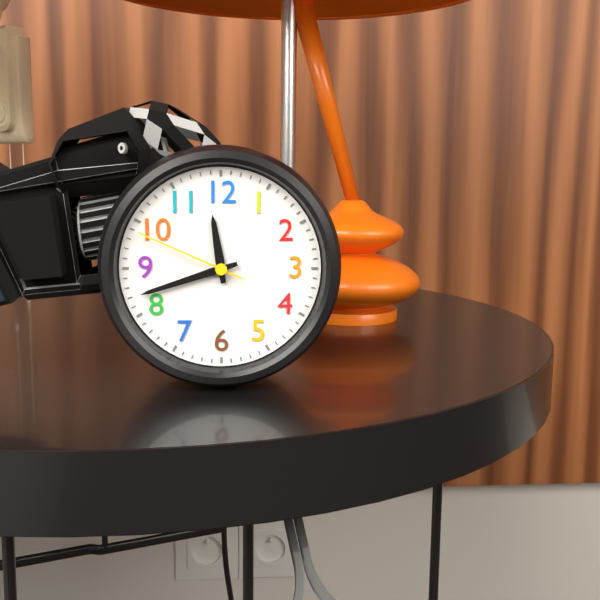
11.42.49
